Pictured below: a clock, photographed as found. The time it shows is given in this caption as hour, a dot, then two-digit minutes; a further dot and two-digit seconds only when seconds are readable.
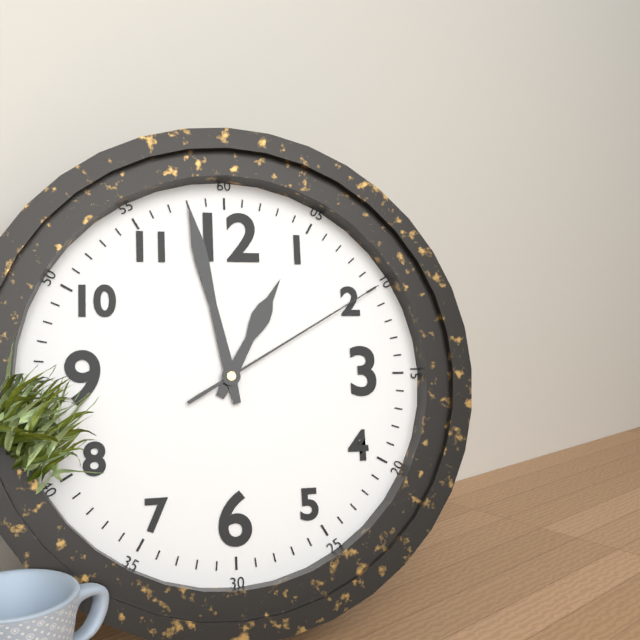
12.58.10
